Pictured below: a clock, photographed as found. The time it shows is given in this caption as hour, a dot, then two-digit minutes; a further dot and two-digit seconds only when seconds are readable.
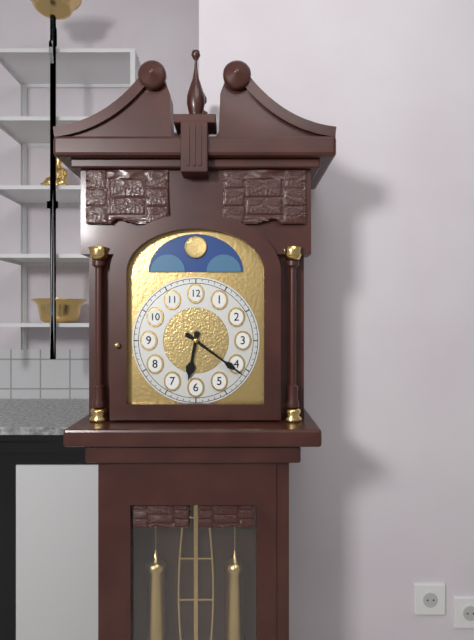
6.21
